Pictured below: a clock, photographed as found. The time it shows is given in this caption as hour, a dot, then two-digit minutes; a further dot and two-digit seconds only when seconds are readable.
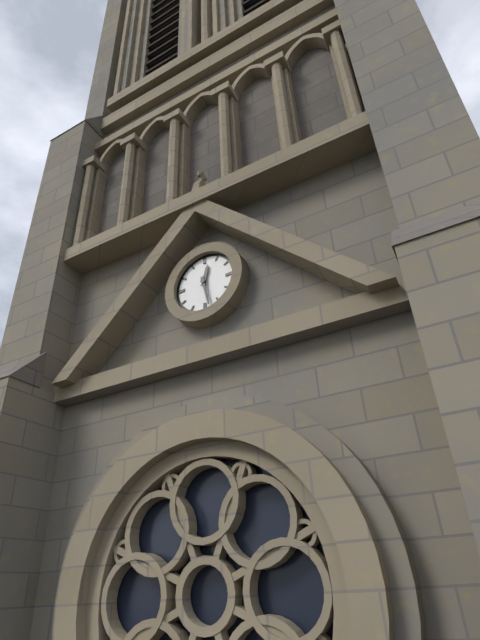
12.28
